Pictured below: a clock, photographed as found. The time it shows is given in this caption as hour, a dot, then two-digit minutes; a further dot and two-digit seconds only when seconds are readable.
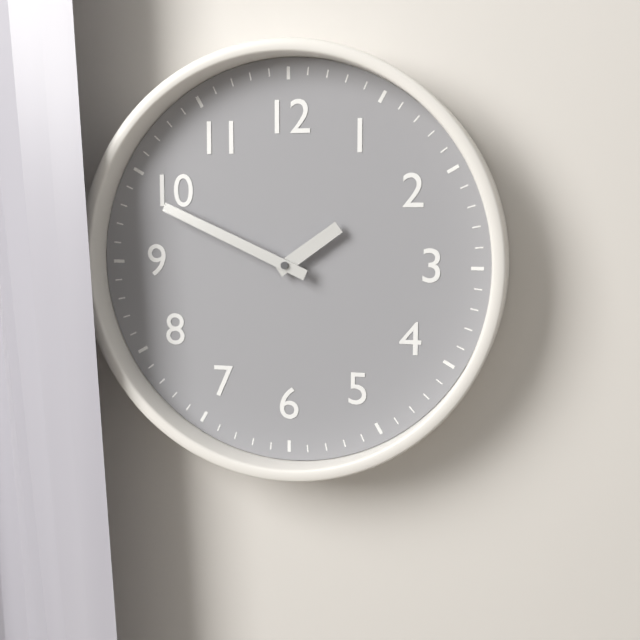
1.49
